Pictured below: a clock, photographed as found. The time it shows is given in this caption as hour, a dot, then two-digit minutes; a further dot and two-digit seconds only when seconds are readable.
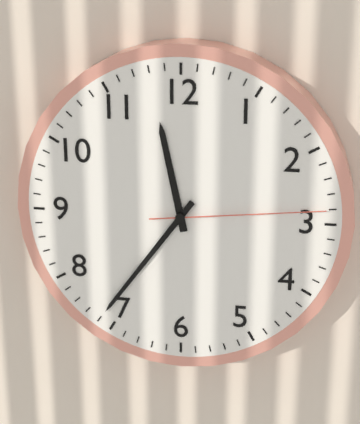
11.36.14
